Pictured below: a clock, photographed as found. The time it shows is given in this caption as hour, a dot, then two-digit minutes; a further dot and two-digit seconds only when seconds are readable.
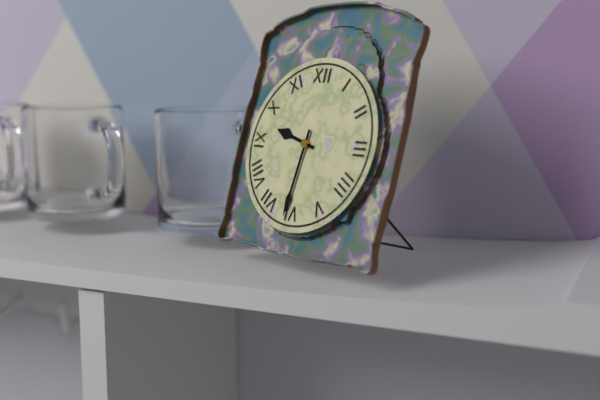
9.31
